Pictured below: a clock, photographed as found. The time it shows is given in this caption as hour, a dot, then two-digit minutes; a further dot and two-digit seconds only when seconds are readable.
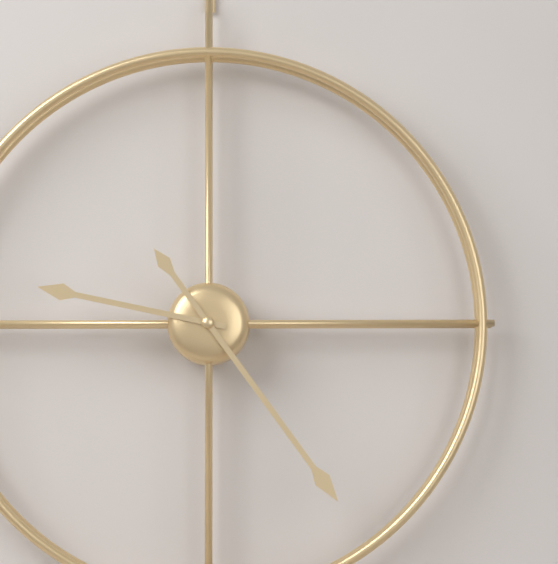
9.24
